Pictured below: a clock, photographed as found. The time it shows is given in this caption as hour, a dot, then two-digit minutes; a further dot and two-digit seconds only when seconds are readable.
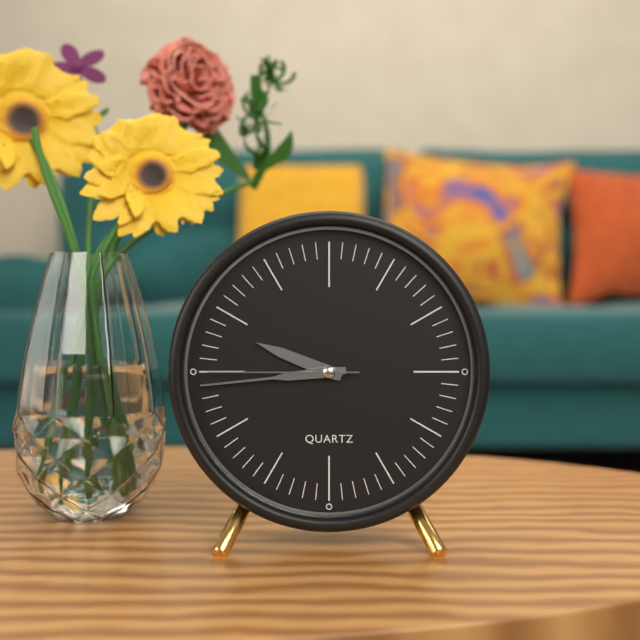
9.44.45
